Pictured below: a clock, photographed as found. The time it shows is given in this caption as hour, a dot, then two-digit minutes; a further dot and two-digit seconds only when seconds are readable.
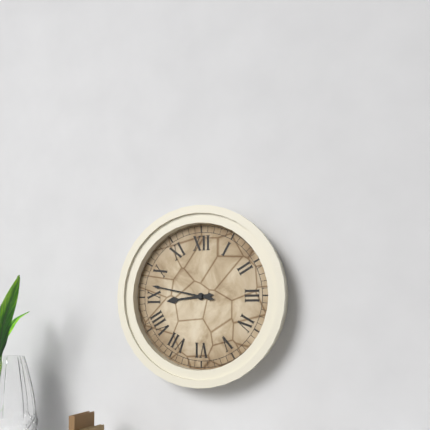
8.47
